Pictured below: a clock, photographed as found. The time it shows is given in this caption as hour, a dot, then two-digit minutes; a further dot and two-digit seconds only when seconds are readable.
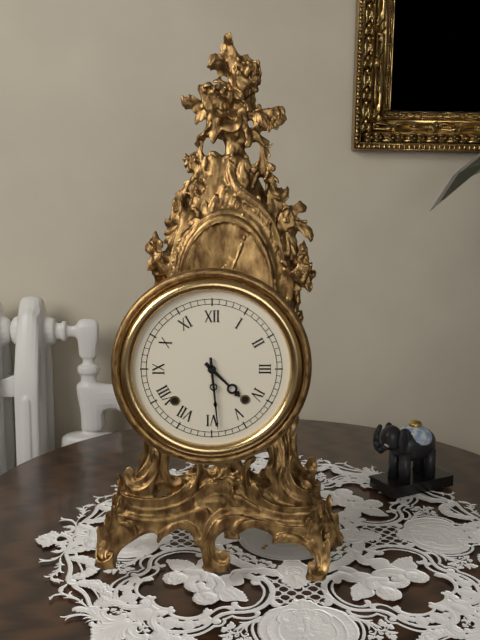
4.29
